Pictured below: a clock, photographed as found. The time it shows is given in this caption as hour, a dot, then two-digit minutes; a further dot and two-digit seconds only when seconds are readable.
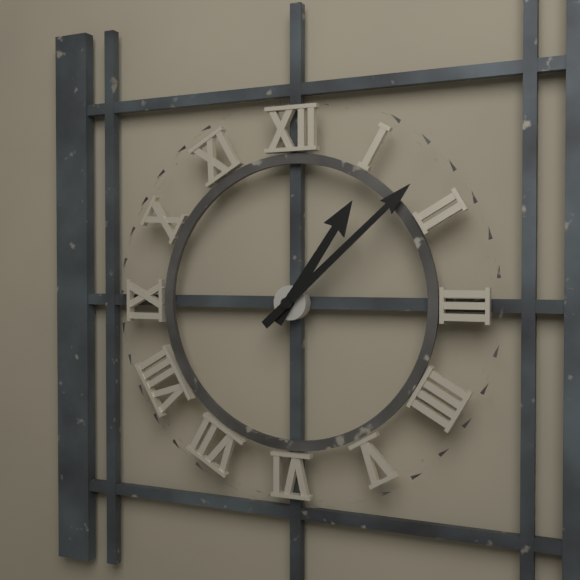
1.08
